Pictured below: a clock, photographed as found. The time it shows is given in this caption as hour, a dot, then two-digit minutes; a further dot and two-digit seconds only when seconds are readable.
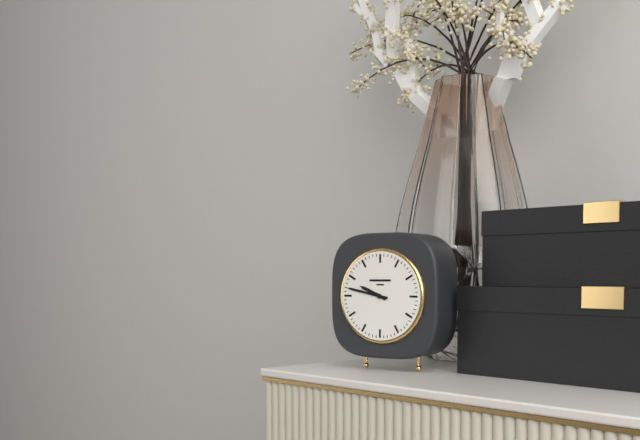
9.47
